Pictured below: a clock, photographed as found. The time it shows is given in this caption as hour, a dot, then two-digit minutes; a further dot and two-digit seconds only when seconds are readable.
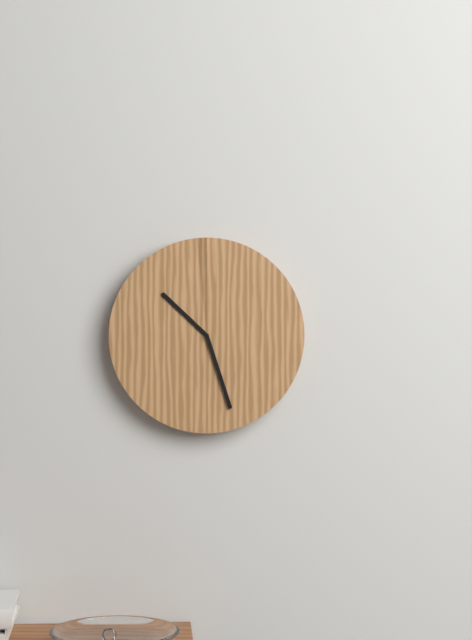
10.27
